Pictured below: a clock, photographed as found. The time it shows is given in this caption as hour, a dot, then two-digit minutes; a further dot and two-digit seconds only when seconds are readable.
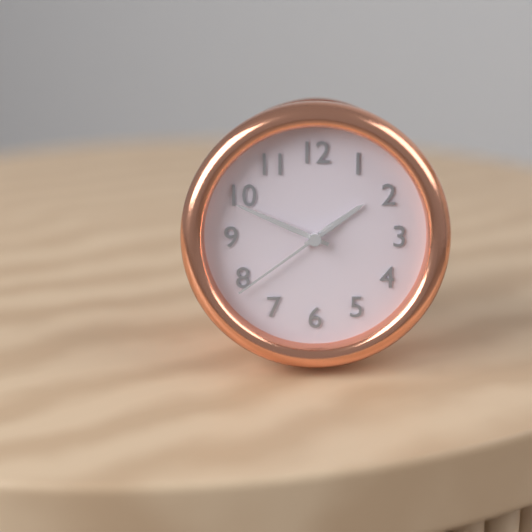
1.49.39
